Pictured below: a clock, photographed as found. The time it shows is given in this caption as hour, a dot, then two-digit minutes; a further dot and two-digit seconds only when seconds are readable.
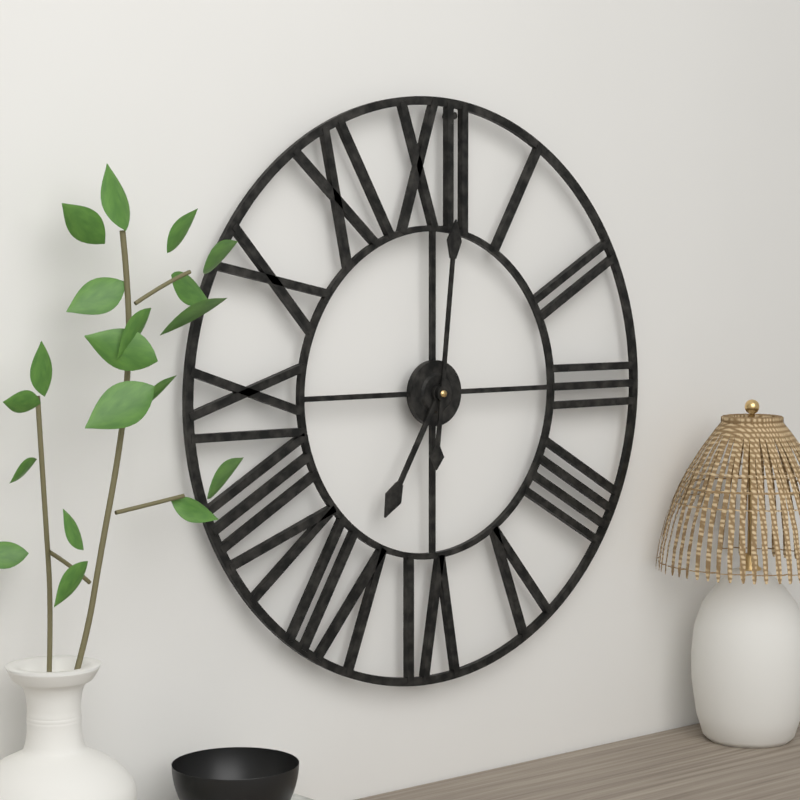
7.01
